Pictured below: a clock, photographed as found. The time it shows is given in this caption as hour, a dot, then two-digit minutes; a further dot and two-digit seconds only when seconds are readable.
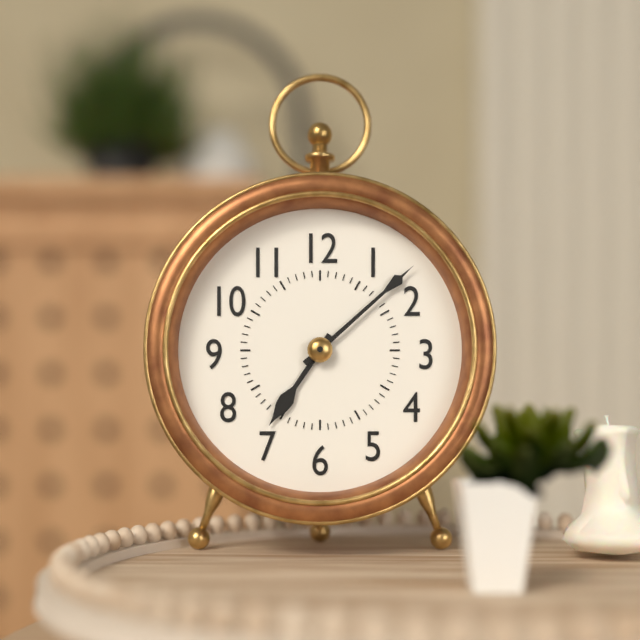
7.08
